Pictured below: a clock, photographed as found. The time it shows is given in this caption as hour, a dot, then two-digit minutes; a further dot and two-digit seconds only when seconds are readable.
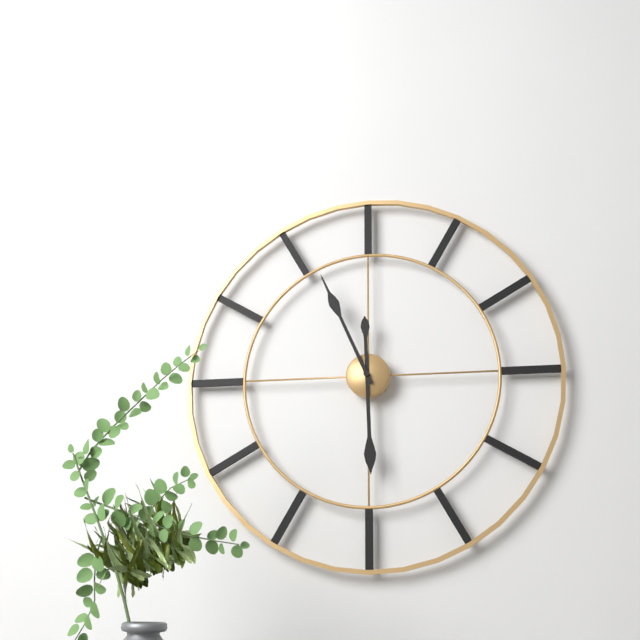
5.56
